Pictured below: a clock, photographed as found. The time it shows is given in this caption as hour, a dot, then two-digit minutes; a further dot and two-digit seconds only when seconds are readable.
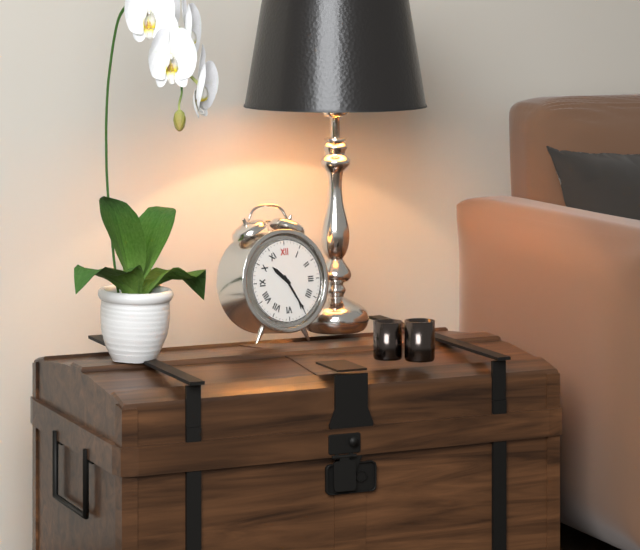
10.25
